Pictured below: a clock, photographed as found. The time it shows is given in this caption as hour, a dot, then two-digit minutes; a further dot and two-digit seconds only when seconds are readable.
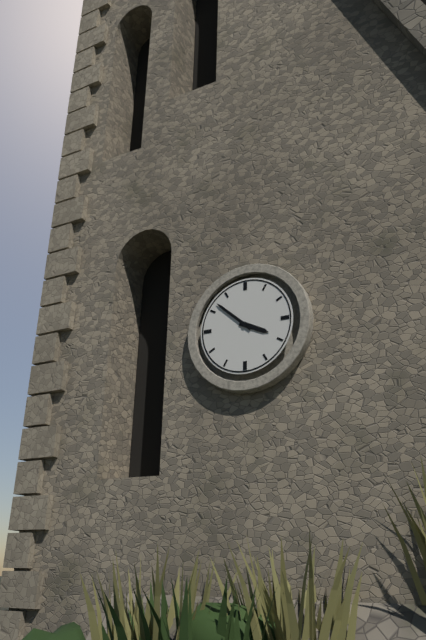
3.52
